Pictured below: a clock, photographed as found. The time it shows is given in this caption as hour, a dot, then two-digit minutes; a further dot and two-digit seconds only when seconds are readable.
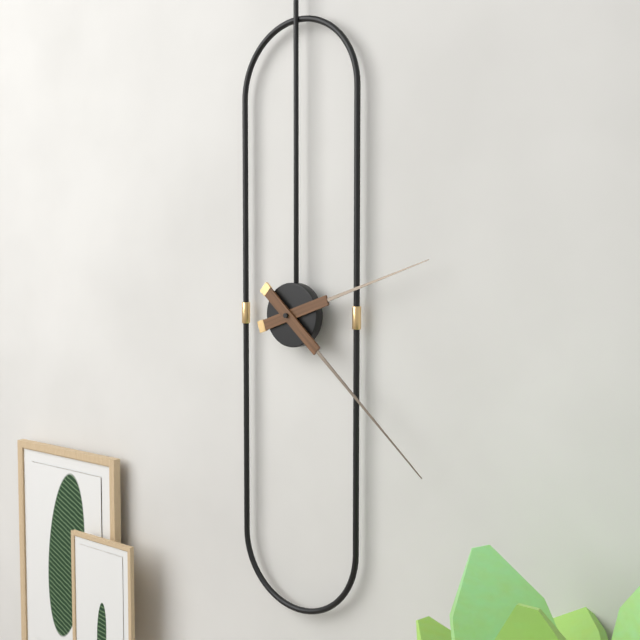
2.22
